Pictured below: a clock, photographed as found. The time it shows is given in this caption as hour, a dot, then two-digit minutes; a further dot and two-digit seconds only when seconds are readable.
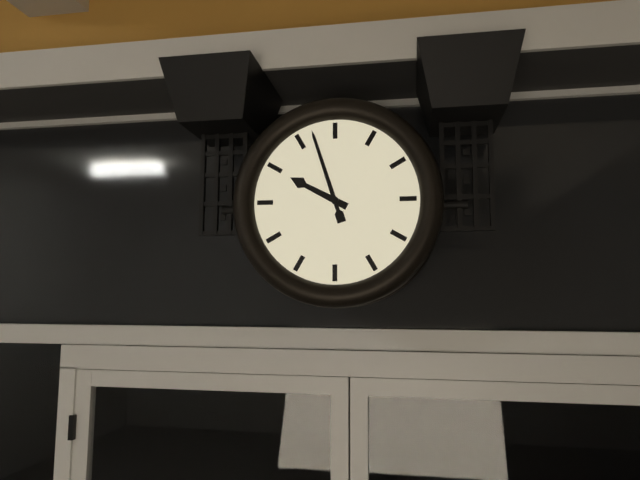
9.57
